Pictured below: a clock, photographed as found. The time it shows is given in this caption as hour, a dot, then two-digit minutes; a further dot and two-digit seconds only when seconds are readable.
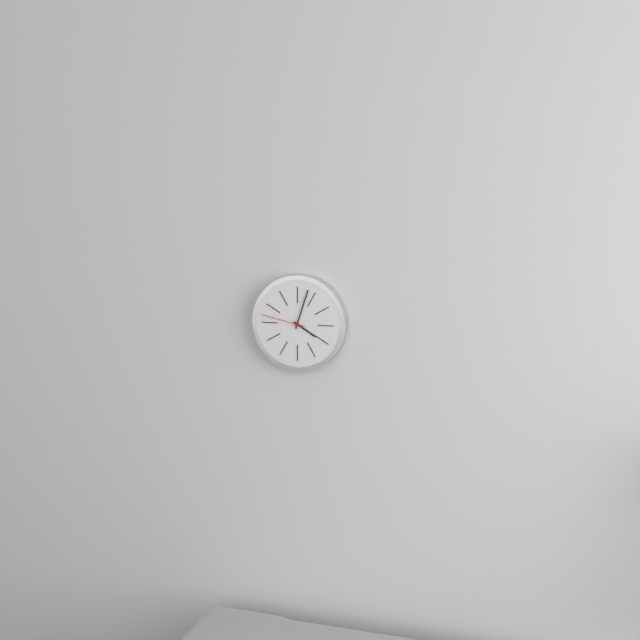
4.03
